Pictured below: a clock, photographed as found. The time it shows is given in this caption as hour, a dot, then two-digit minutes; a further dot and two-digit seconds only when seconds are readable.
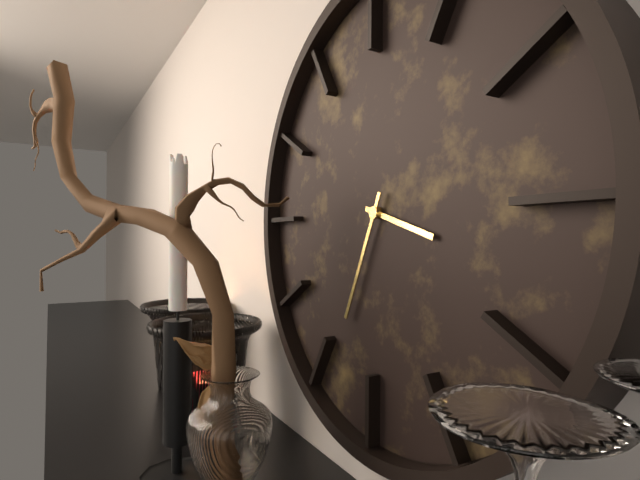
3.34
